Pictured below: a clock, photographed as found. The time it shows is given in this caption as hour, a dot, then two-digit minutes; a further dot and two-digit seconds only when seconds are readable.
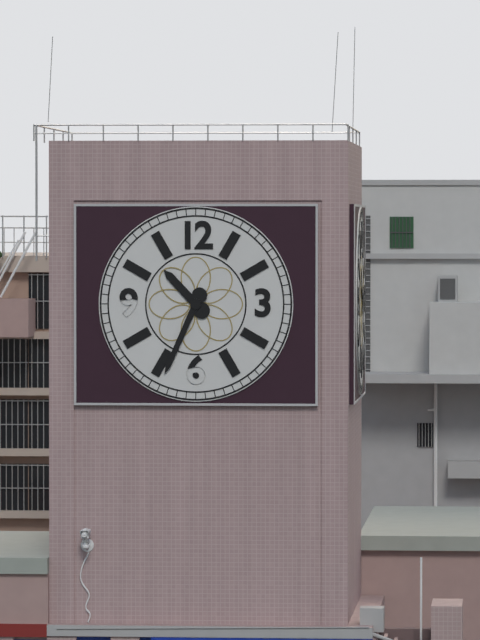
10.34
